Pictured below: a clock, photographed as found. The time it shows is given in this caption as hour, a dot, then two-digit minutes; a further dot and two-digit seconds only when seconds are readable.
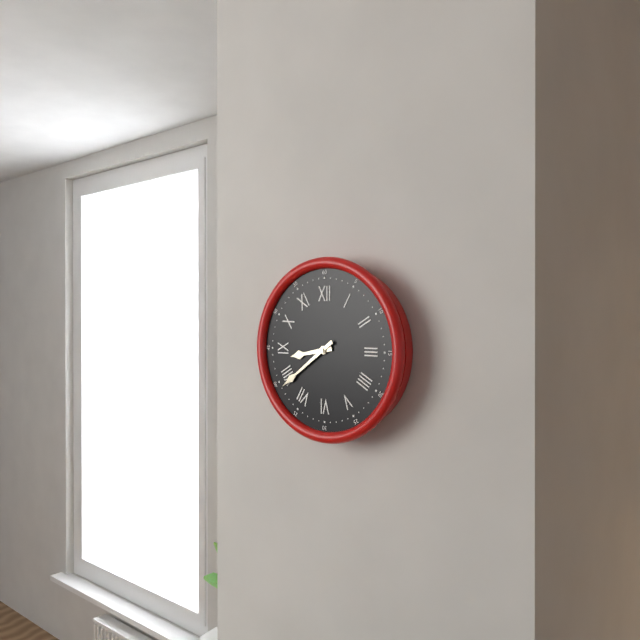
8.39
